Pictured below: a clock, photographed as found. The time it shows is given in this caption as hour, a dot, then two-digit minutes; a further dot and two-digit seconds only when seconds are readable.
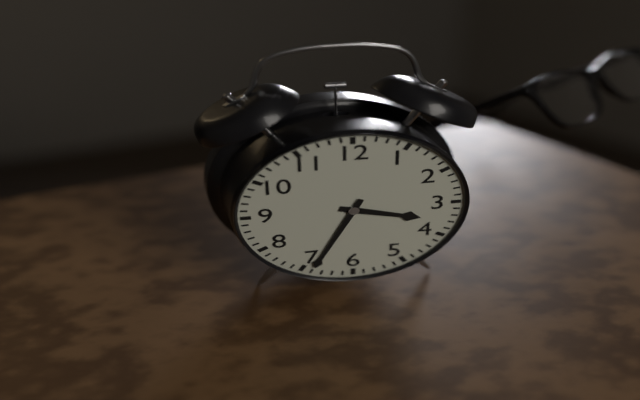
3.34
